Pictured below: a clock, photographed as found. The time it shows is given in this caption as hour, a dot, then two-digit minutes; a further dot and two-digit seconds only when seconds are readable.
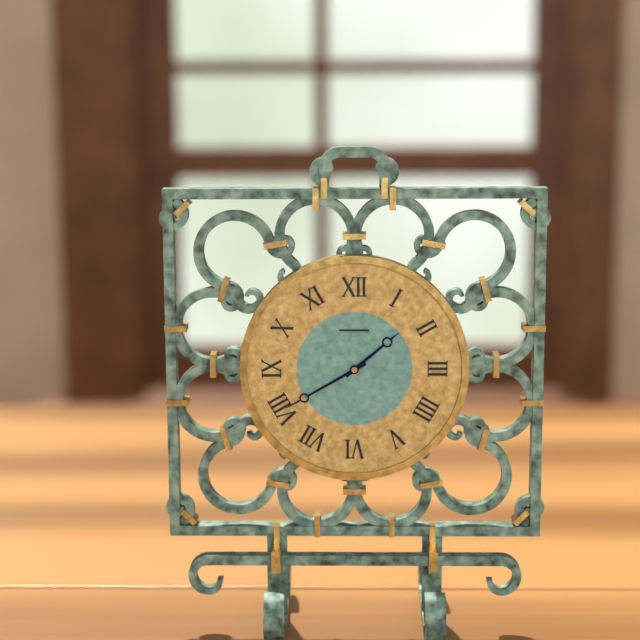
1.40
